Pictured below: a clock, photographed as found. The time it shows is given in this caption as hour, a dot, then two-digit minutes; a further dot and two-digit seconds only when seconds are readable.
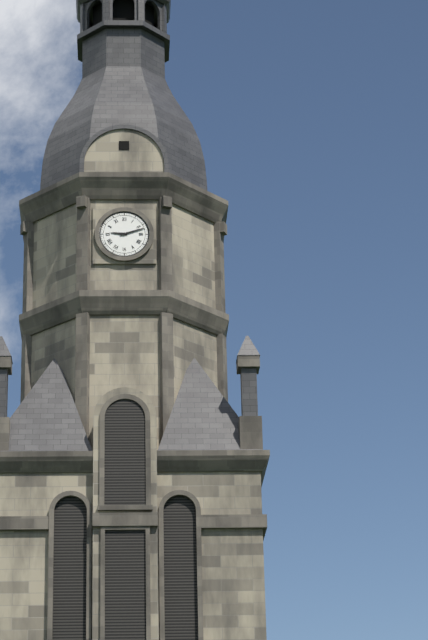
9.12
